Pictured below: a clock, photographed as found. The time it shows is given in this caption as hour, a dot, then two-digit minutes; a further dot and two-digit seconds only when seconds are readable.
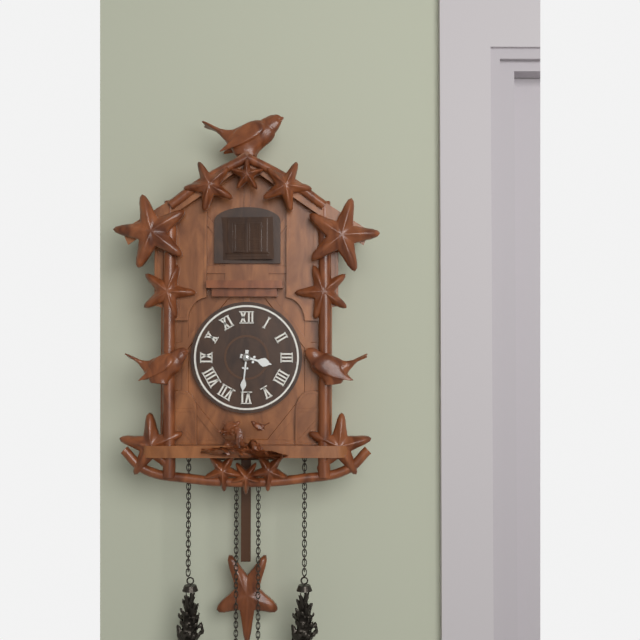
3.31
